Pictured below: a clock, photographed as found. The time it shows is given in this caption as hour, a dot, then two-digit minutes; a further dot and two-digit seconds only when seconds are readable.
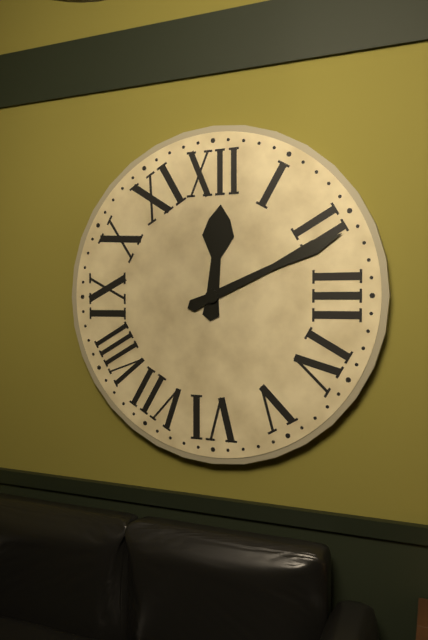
12.11
